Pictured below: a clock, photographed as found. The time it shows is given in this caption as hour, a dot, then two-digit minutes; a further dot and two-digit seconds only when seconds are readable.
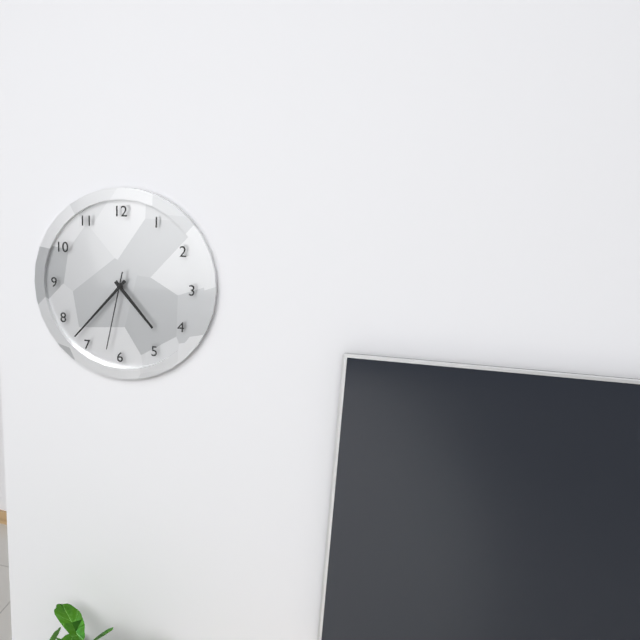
4.37.32
